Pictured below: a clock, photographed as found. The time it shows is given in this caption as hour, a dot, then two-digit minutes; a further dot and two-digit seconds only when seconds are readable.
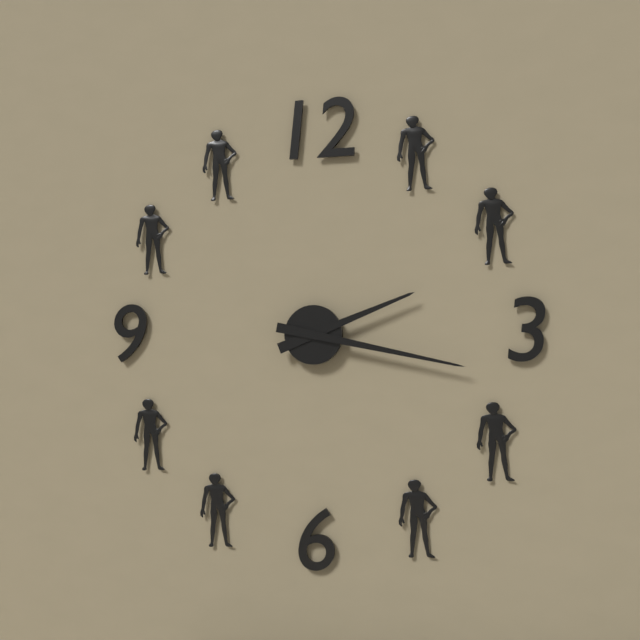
2.17
